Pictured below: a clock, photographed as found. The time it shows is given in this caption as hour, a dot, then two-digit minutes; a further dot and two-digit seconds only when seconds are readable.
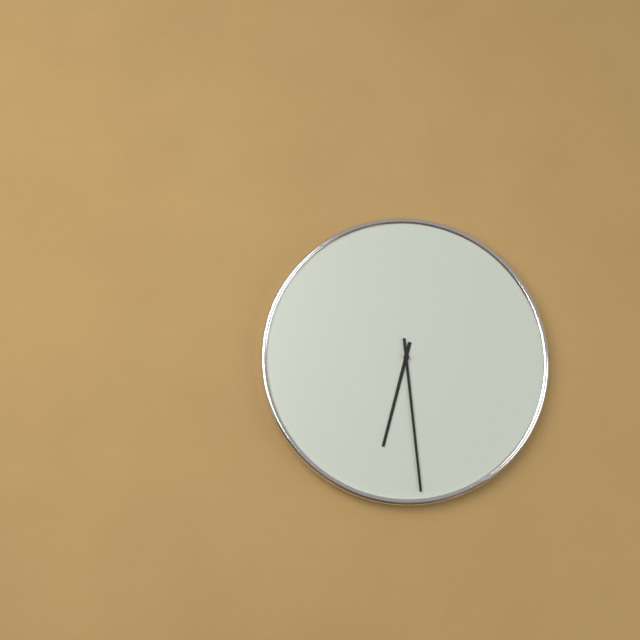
6.29
